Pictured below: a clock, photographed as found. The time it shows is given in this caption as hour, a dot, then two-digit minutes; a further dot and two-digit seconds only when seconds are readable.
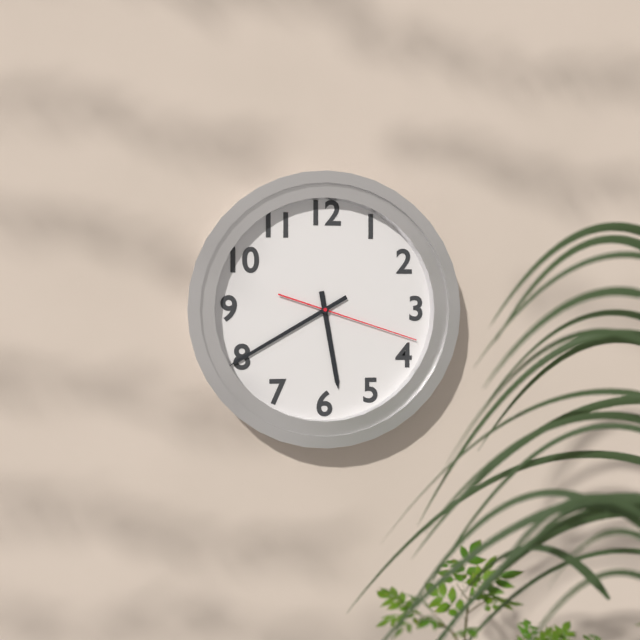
5.40.18
